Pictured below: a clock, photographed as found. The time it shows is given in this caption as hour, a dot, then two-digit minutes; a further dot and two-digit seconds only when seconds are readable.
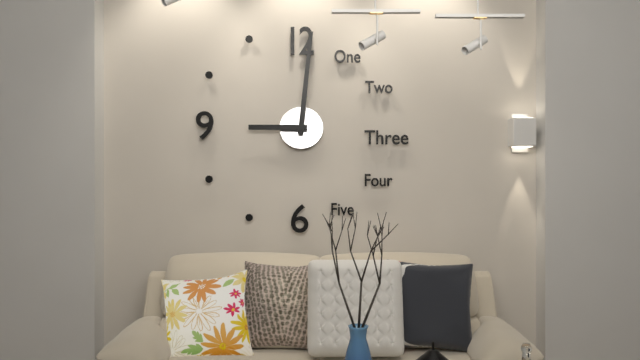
9.01
